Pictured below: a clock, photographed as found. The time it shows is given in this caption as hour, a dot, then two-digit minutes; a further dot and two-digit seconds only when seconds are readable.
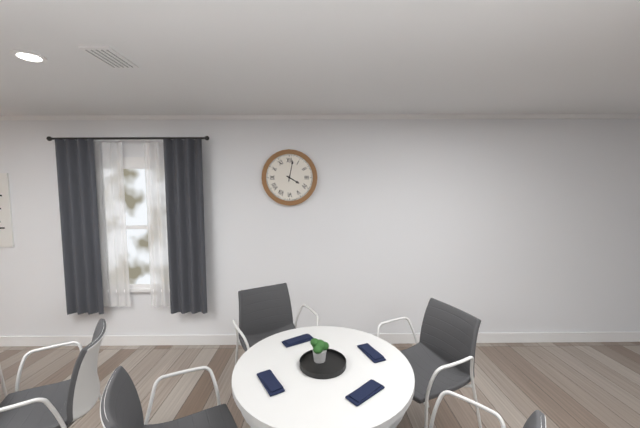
4.02
